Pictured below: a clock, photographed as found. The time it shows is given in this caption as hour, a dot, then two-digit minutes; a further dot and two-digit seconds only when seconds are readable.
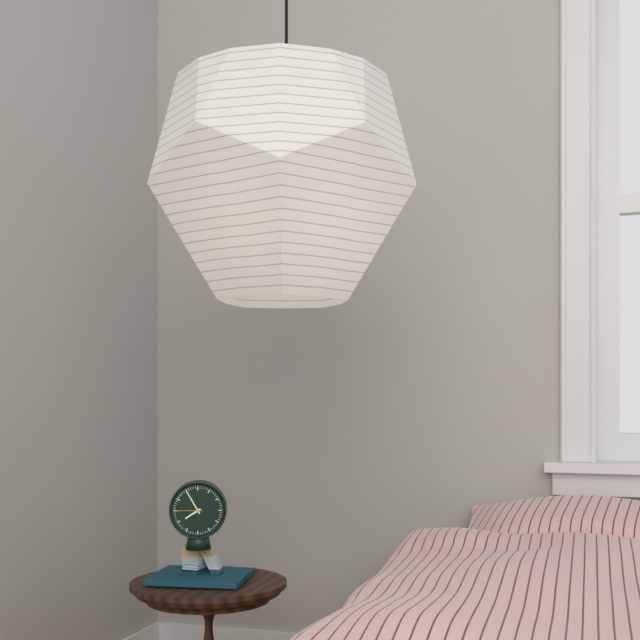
7.55
